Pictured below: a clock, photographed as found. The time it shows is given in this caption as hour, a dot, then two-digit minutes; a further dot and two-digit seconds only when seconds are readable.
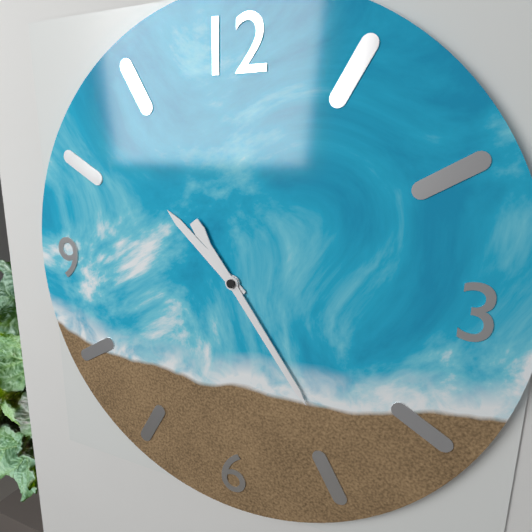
10.24
